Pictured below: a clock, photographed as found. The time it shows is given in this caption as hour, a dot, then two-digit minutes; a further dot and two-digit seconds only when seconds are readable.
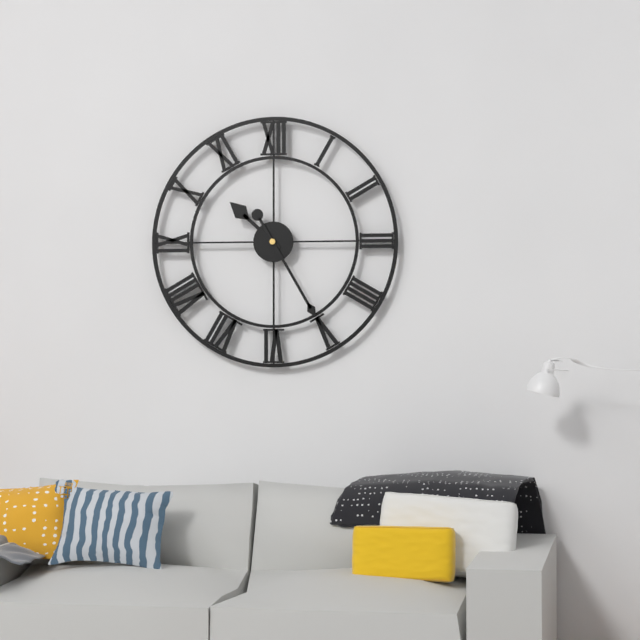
10.25
